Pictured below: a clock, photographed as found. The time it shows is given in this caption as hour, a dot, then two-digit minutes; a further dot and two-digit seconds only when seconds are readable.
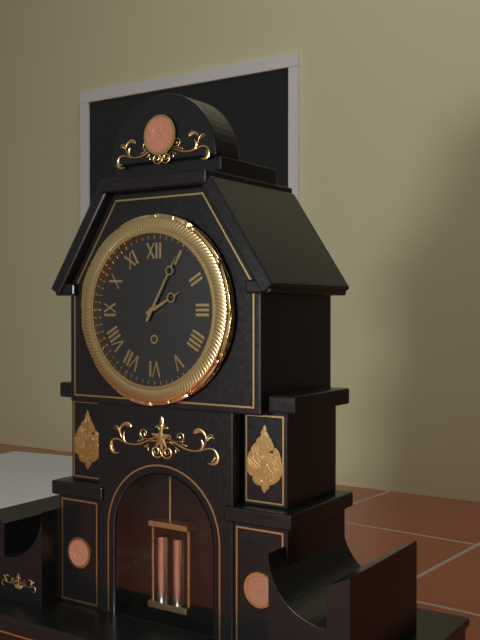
2.05
